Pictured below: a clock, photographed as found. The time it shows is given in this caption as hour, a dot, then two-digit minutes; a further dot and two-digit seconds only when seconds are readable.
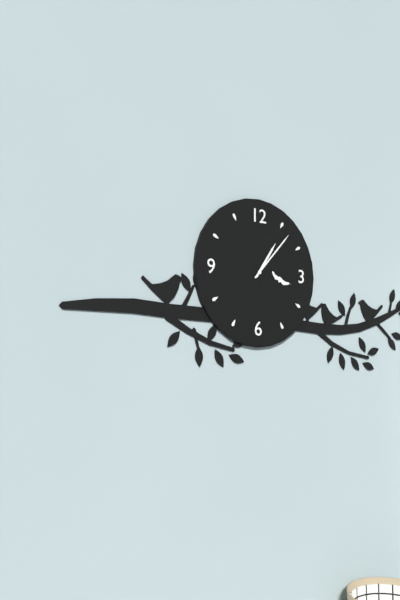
1.07
